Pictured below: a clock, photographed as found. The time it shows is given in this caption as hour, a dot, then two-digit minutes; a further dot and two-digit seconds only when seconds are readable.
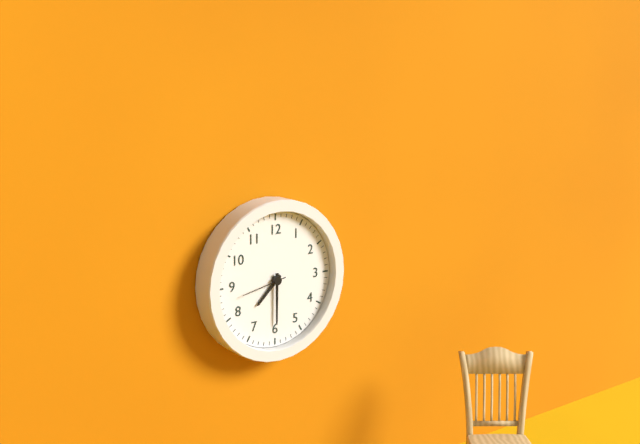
7.30
